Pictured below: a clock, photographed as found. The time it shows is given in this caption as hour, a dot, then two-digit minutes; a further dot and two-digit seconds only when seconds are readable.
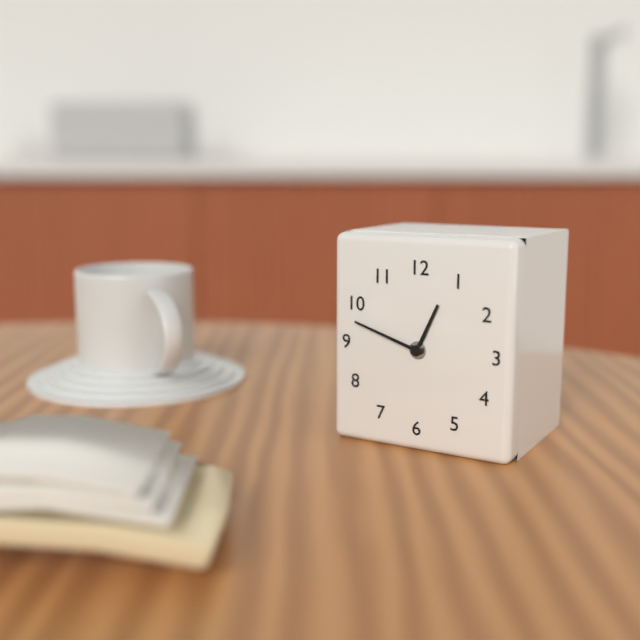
12.48
